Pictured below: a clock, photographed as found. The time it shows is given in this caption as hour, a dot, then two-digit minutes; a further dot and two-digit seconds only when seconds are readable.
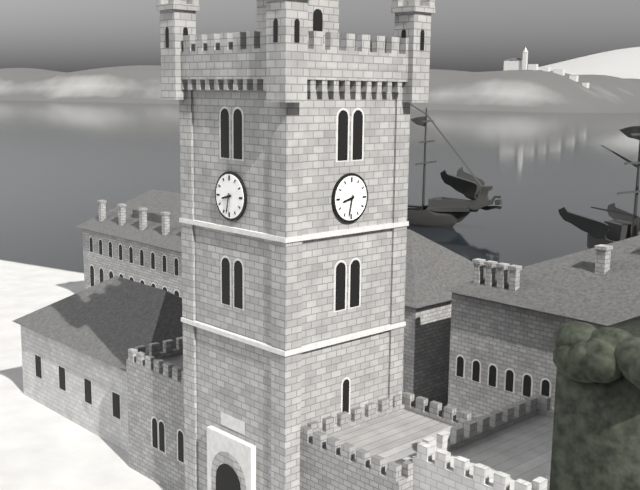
8.32
